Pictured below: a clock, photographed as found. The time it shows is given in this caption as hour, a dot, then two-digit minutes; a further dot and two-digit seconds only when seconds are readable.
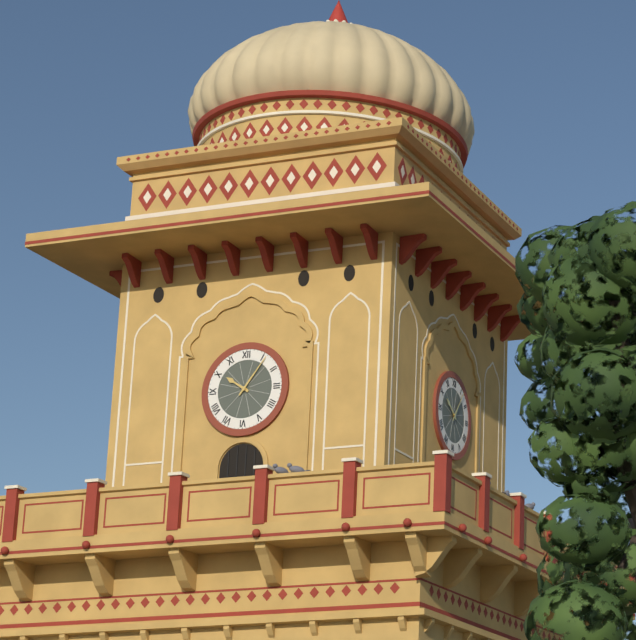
10.06
